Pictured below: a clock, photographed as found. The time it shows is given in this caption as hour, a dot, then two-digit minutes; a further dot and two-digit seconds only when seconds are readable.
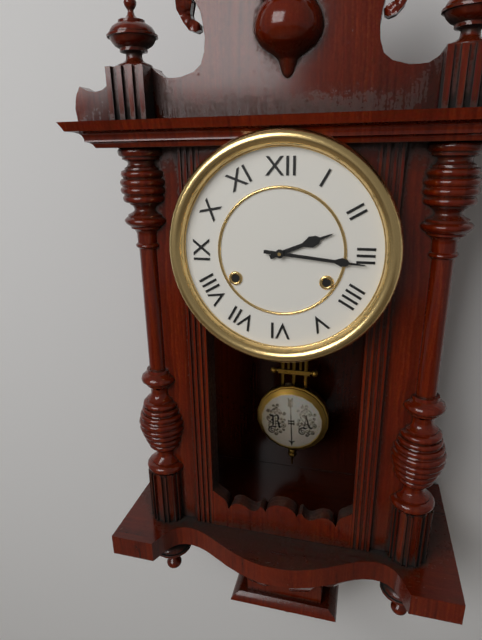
2.16
